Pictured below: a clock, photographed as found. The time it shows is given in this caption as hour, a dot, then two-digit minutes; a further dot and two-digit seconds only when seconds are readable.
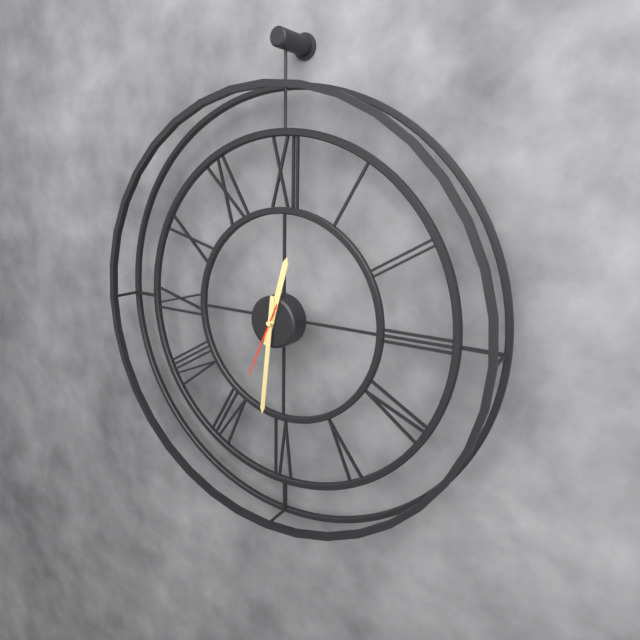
12.31.34
